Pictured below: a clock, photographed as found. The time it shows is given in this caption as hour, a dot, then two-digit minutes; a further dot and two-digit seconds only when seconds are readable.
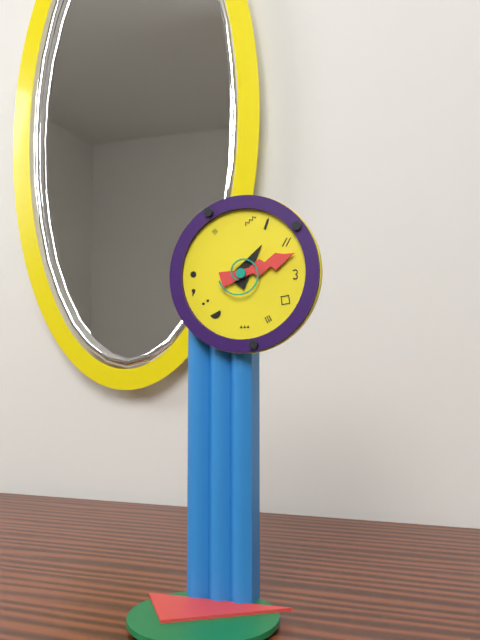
1.12
